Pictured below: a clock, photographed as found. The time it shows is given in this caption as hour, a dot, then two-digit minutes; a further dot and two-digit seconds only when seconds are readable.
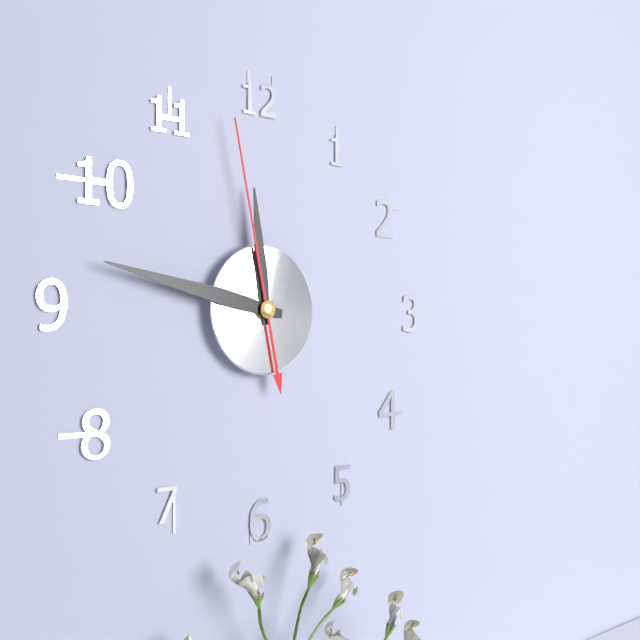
11.47.58
